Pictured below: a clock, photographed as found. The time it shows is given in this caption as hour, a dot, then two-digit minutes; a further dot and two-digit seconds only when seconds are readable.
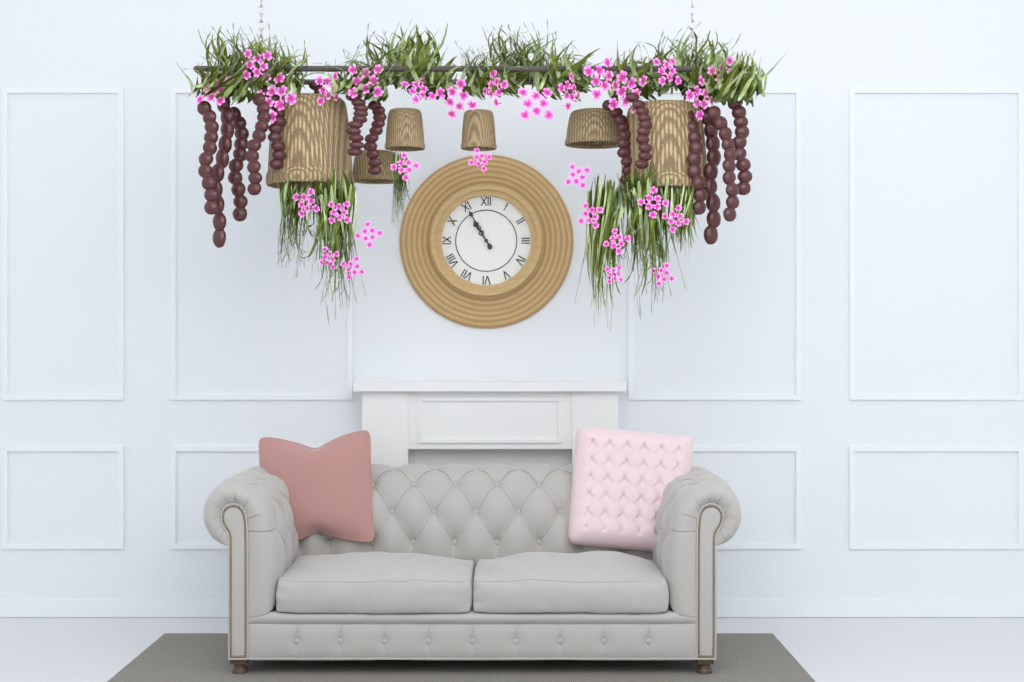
10.55
